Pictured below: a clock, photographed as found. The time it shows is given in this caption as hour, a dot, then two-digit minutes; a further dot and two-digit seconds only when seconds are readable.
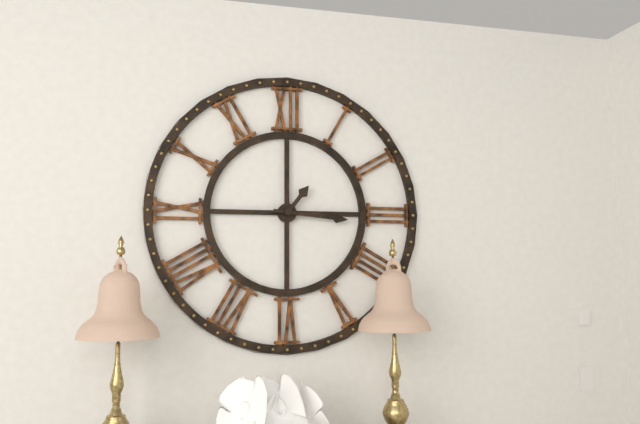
1.16
